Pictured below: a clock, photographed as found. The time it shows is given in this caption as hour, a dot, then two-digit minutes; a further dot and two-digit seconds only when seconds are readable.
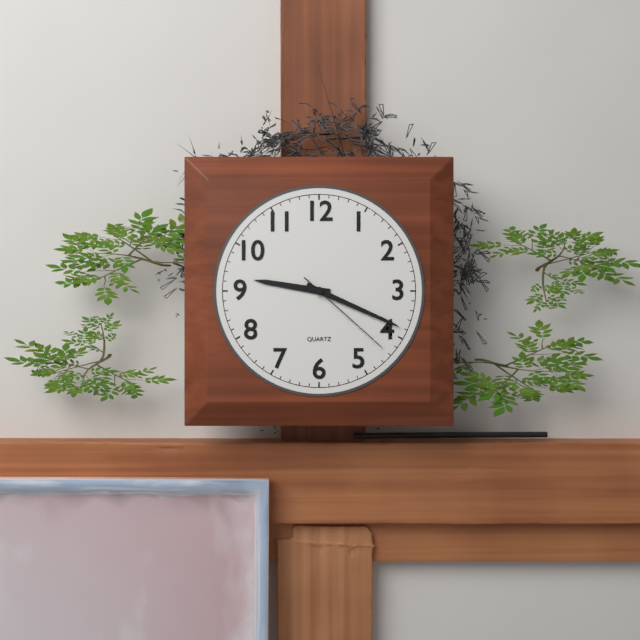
9.19.22
